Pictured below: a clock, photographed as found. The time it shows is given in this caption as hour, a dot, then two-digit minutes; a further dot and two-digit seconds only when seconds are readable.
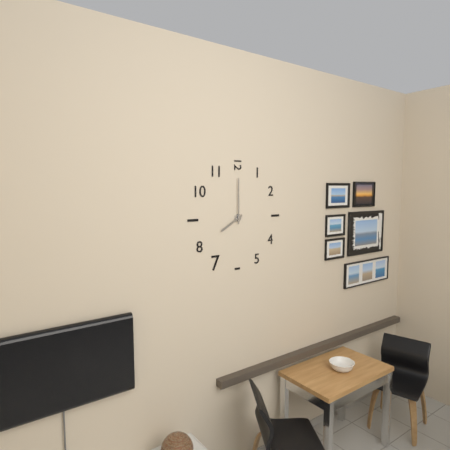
8.00
